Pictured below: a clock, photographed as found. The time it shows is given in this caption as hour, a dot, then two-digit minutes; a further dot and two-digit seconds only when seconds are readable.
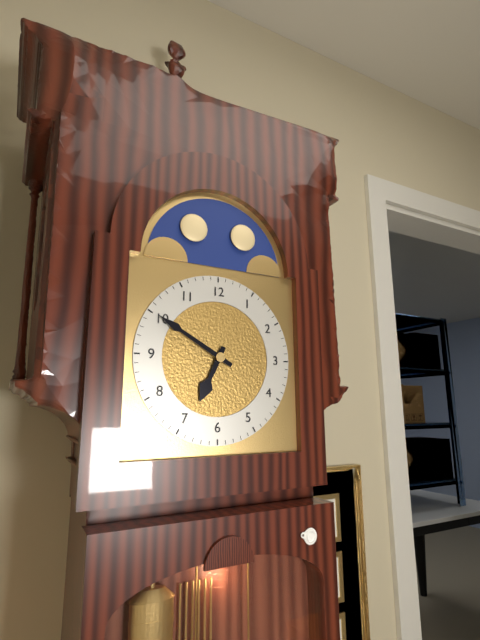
6.50
